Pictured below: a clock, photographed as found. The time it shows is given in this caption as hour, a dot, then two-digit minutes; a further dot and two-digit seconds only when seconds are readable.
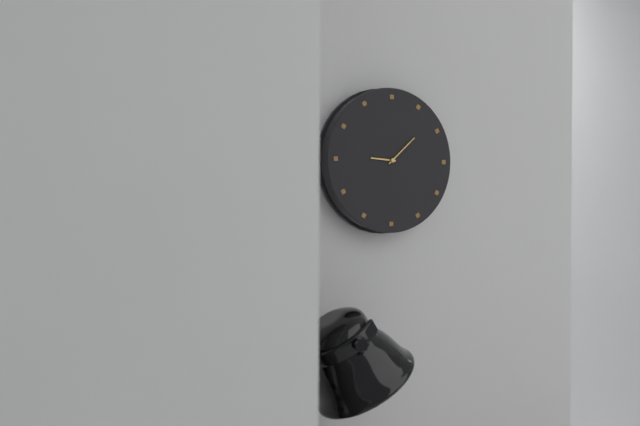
9.08
